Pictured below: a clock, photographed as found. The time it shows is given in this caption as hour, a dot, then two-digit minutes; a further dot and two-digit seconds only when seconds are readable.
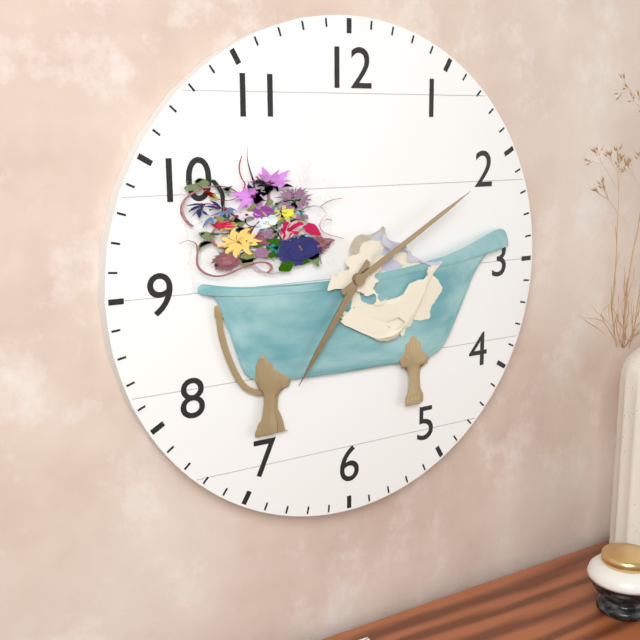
7.10
